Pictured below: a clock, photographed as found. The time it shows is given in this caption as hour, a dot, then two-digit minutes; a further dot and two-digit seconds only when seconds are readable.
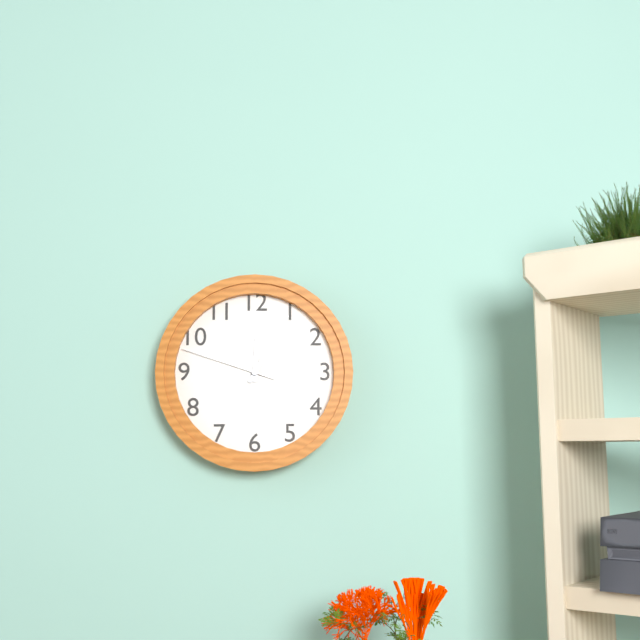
12.05.48
